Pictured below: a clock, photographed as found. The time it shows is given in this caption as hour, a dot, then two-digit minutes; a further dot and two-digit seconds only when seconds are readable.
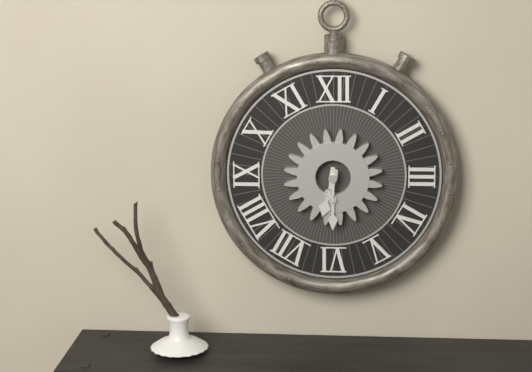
6.30
